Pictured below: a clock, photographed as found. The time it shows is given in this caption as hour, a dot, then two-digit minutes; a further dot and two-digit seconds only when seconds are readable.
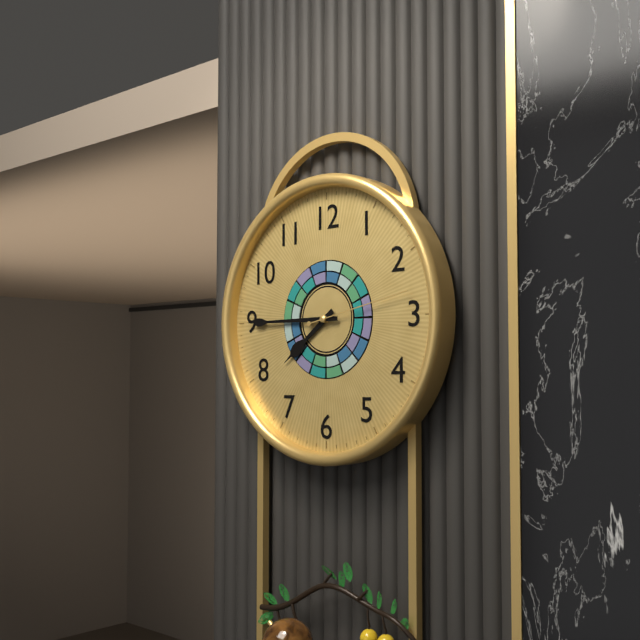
7.45.13
